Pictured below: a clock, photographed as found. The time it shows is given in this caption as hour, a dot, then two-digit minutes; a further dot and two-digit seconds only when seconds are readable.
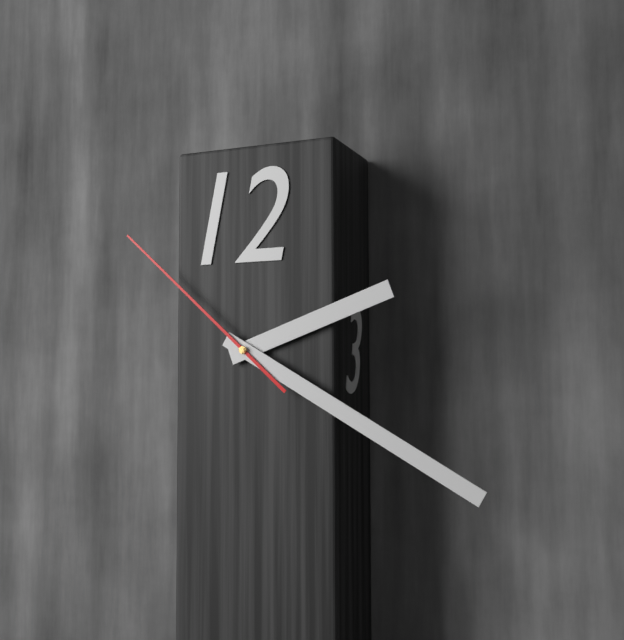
2.20.52
